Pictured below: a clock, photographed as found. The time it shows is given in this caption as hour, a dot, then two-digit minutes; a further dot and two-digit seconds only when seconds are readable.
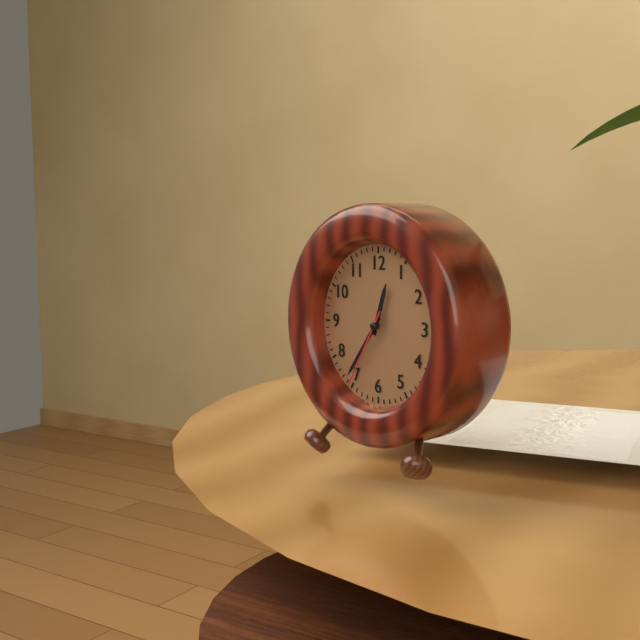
12.36.35
